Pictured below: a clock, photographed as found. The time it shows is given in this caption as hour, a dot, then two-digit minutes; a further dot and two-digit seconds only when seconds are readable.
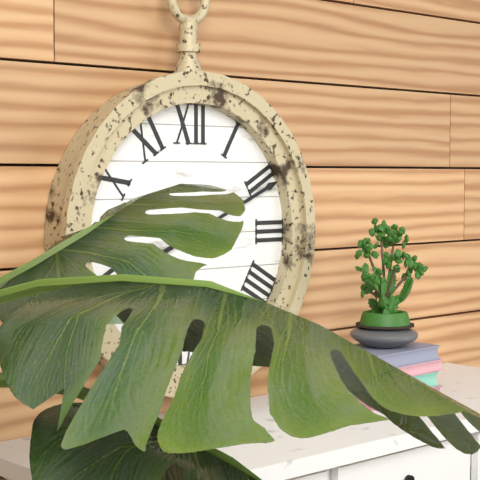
8.11
